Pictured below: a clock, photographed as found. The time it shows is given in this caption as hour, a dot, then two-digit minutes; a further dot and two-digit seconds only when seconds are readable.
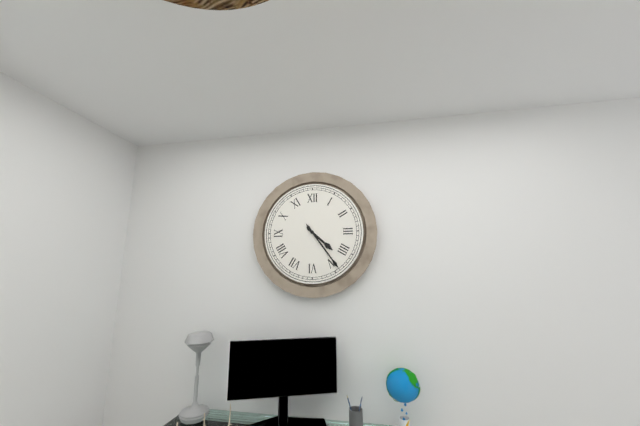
4.24
